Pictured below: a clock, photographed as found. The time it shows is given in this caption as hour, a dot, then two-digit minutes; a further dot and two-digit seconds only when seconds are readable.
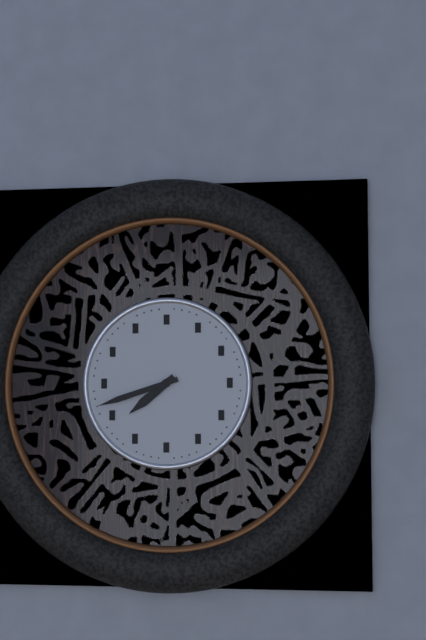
7.42
